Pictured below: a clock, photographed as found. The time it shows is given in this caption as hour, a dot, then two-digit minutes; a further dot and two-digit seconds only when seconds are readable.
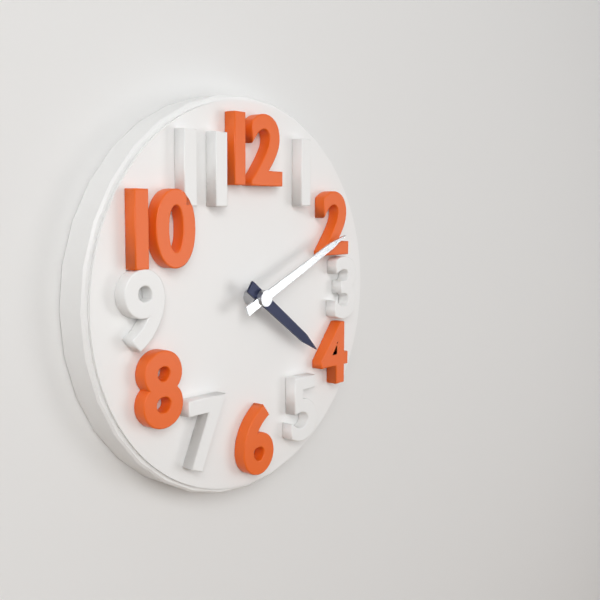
4.11
